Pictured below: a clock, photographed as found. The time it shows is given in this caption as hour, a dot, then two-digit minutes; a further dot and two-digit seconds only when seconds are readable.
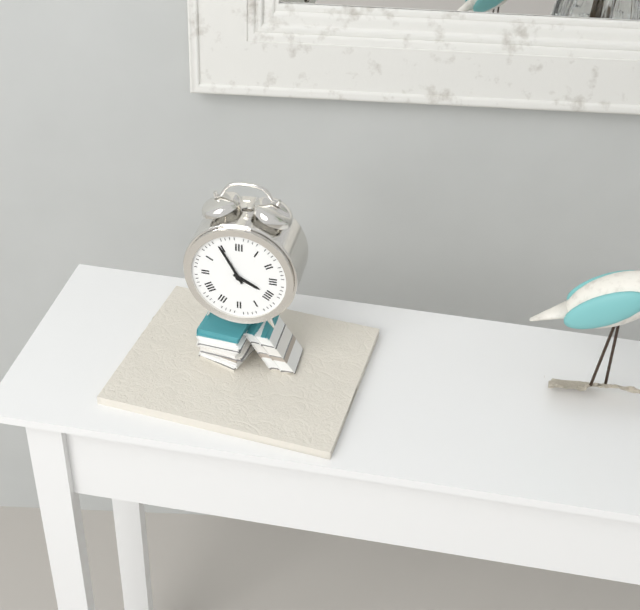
3.55
